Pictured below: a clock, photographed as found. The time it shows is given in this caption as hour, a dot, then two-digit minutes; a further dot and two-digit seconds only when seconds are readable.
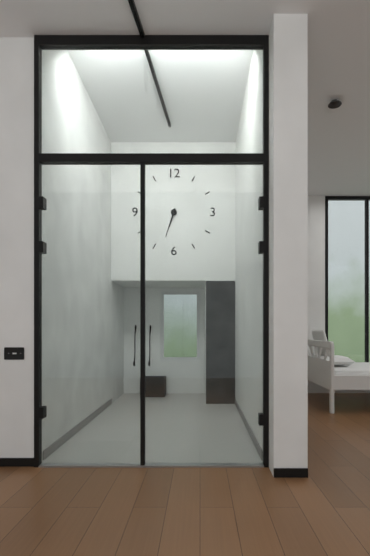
6.33
